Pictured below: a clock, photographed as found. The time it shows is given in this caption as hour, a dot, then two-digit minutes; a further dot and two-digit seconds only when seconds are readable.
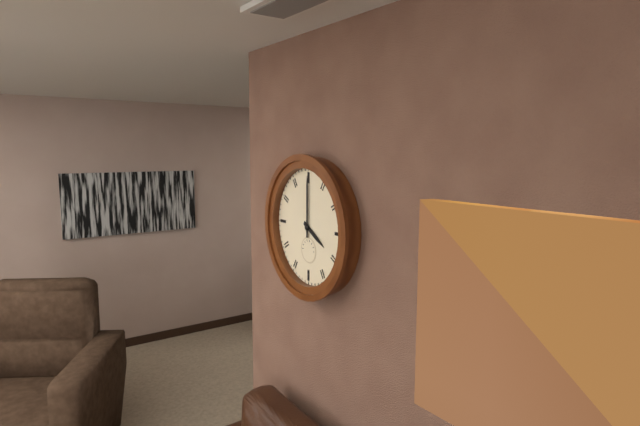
4.00
